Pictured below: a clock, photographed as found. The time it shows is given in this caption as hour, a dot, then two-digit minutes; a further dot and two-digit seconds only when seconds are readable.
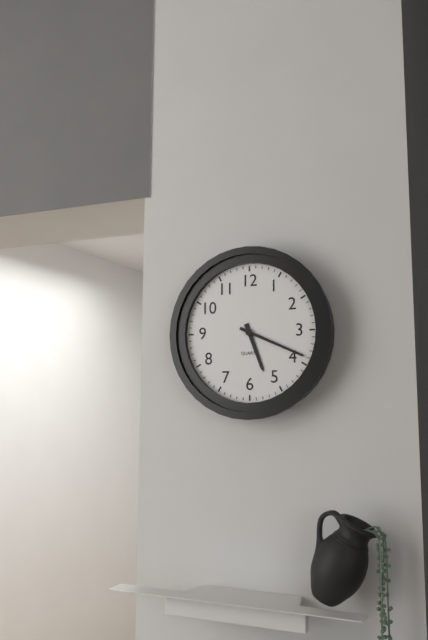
5.19
